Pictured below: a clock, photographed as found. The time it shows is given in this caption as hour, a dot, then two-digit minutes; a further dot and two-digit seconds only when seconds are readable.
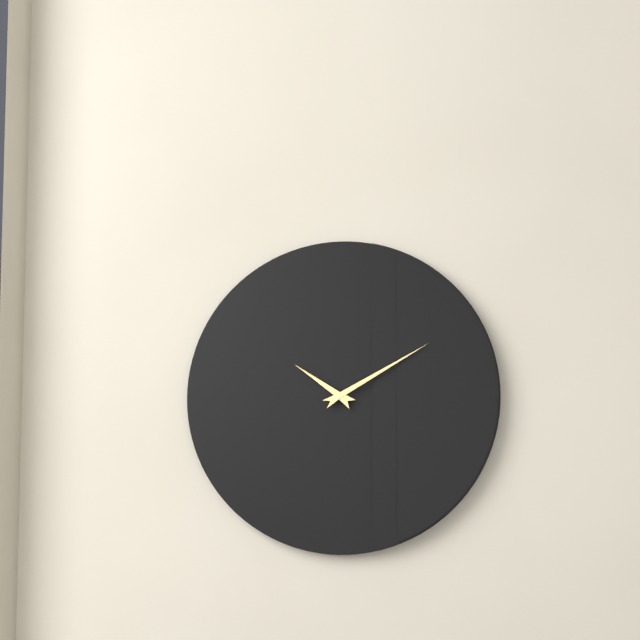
10.10
